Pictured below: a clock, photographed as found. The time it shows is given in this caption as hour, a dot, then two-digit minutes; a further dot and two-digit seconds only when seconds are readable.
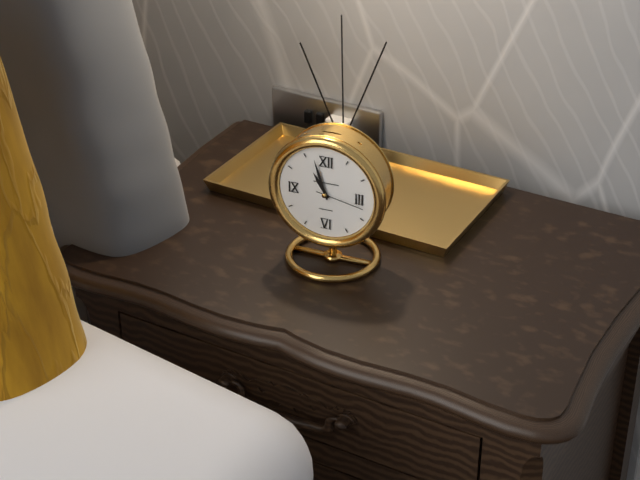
10.57.17
